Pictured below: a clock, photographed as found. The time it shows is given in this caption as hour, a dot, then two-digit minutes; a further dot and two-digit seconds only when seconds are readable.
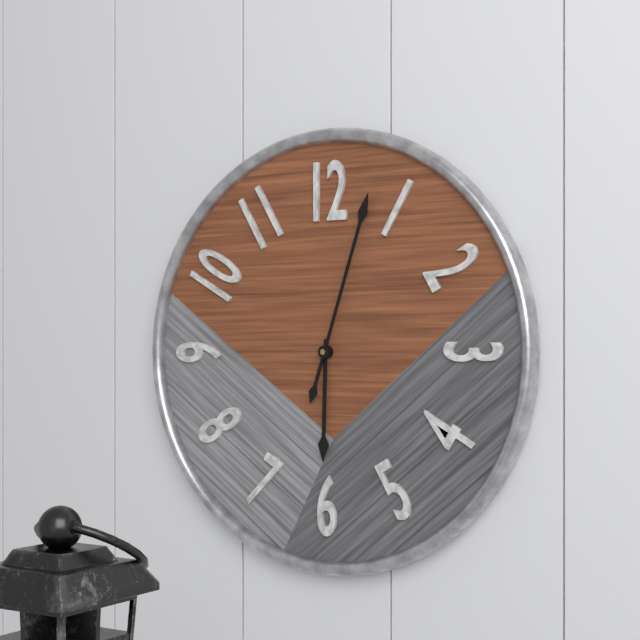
6.03
